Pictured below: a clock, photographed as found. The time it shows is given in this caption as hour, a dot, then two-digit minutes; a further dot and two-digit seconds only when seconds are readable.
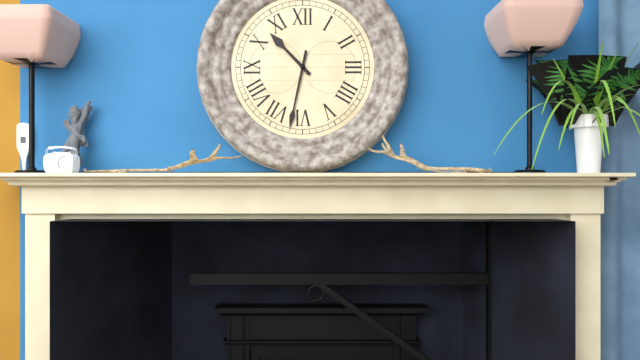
10.32
